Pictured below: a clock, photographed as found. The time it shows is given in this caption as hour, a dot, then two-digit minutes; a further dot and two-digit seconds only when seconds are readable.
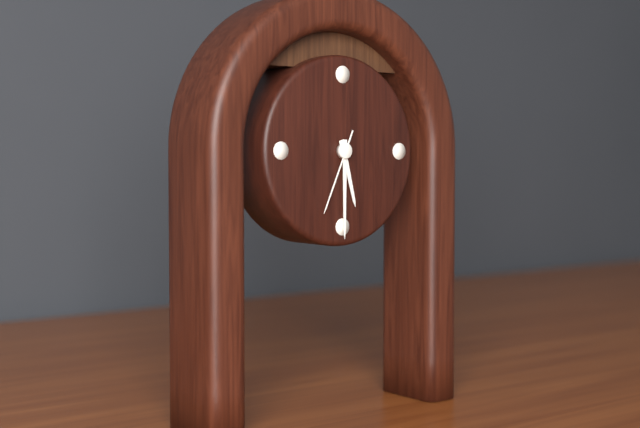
5.30.34
